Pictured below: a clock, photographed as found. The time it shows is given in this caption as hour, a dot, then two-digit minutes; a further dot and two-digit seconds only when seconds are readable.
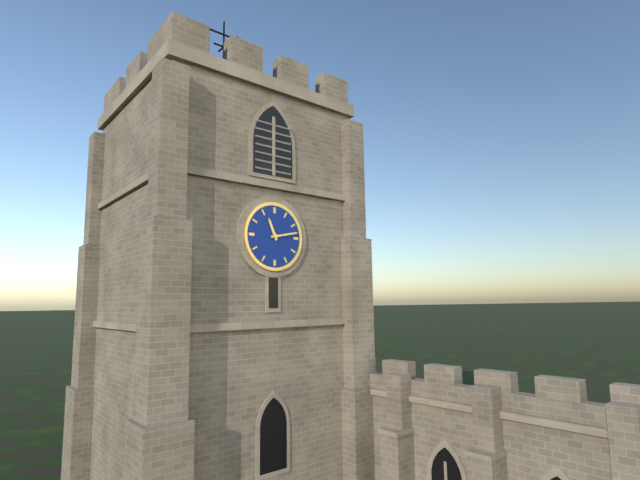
11.13
